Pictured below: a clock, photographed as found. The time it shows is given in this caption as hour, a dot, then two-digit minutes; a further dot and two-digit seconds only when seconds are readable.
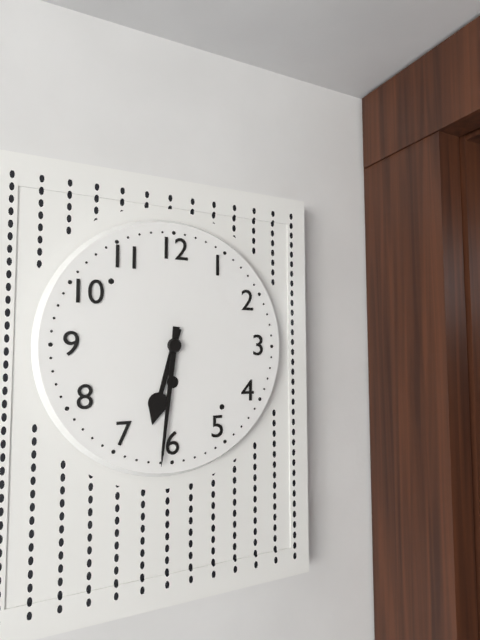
6.31
